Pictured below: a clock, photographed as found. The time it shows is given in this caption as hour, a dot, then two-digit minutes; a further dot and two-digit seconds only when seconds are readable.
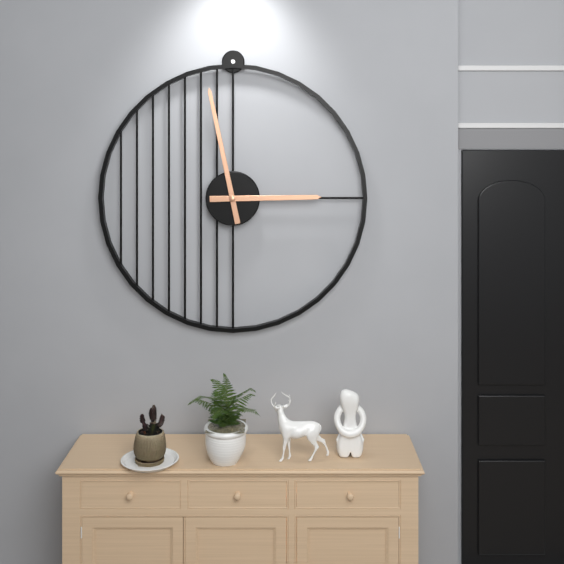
2.58
